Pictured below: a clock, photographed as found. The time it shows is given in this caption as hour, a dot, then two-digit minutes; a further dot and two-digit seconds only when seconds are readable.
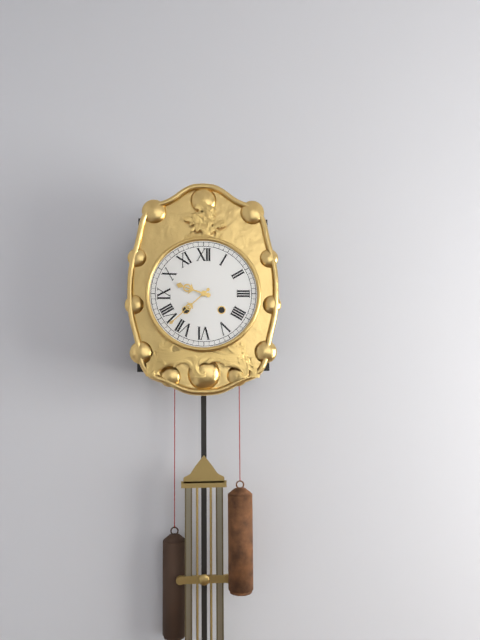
9.38
